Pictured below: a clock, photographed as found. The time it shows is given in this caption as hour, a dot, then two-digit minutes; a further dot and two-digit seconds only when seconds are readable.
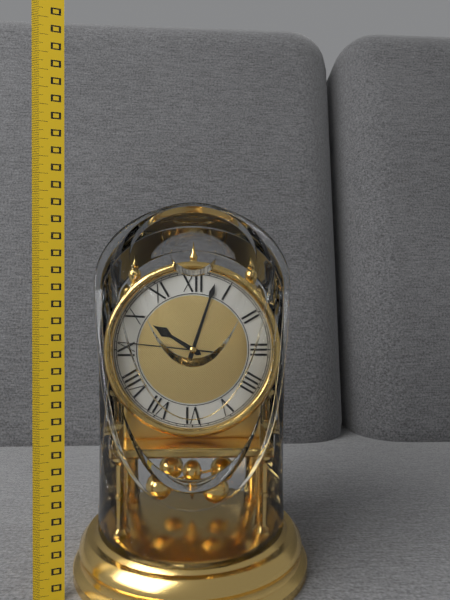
10.03.46
